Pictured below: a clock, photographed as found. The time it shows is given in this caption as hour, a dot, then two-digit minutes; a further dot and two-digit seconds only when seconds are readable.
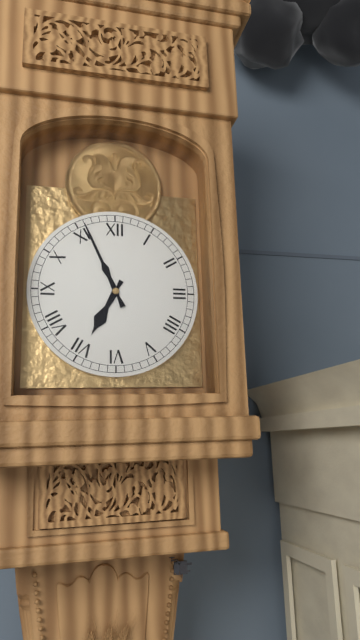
6.56
